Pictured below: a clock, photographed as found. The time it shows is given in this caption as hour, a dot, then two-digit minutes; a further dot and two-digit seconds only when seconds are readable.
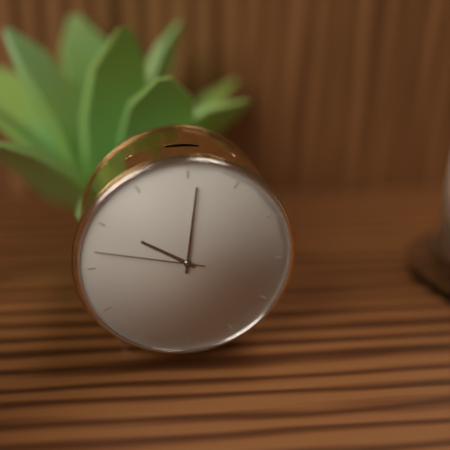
10.01.47
